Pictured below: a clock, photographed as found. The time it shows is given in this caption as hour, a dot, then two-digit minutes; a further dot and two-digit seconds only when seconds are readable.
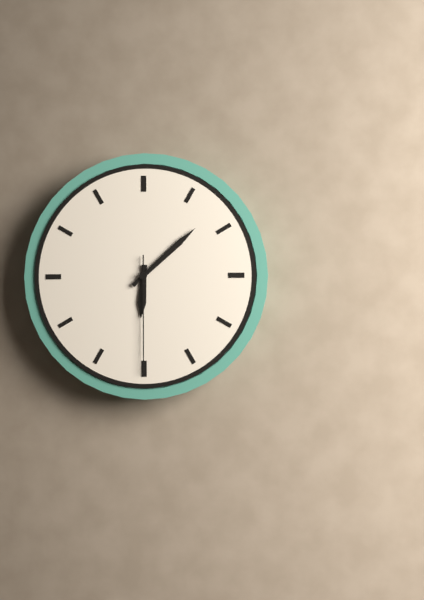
6.08.30
